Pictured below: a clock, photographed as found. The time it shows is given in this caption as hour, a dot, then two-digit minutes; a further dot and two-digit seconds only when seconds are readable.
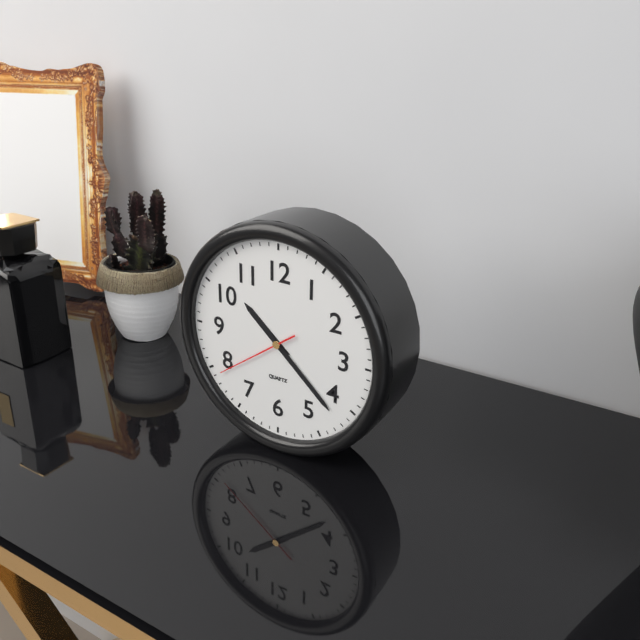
10.22.39
